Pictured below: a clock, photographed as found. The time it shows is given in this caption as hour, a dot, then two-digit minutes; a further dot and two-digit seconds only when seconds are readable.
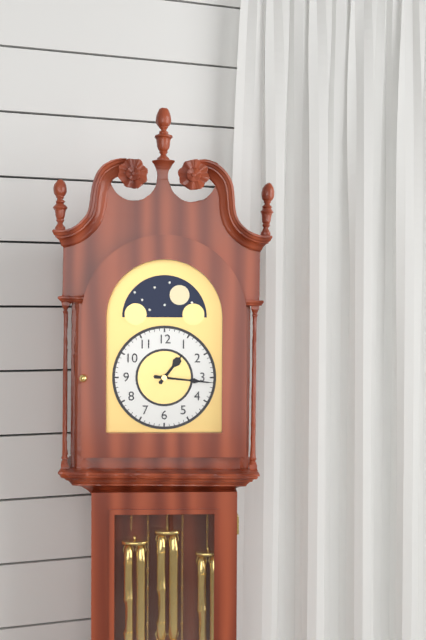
1.16
